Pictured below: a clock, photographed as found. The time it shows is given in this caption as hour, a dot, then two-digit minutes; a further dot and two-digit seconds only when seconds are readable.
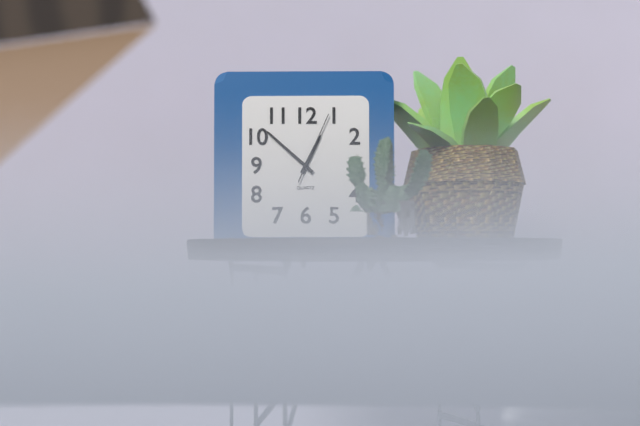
12.52.04
